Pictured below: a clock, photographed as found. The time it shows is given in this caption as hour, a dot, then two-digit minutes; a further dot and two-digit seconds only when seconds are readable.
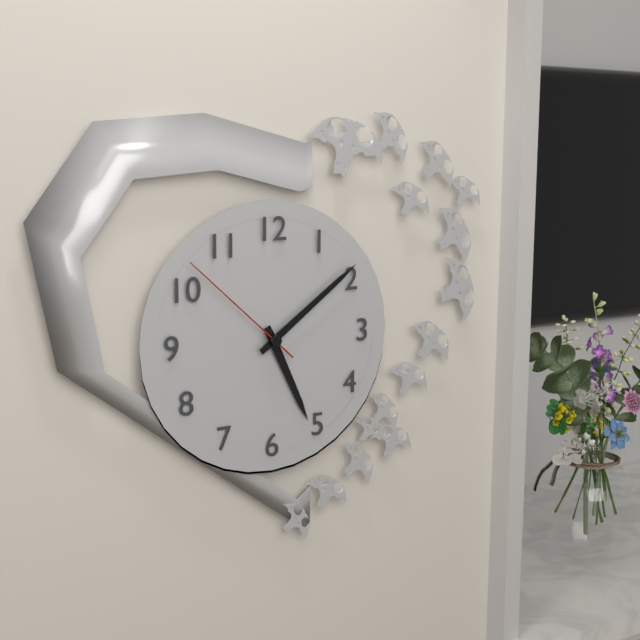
5.09.52
